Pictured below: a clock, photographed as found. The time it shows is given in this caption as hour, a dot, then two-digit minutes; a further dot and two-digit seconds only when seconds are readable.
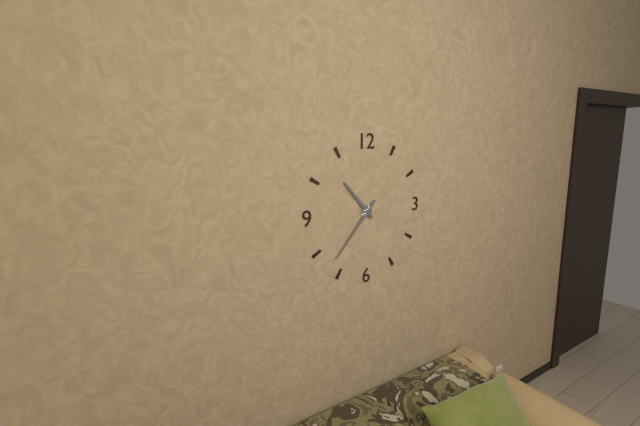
10.37
